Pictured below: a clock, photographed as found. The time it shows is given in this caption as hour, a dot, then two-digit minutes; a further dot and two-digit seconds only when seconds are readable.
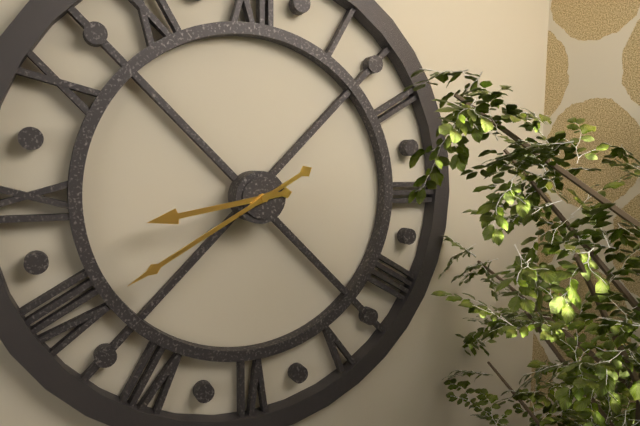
8.40
